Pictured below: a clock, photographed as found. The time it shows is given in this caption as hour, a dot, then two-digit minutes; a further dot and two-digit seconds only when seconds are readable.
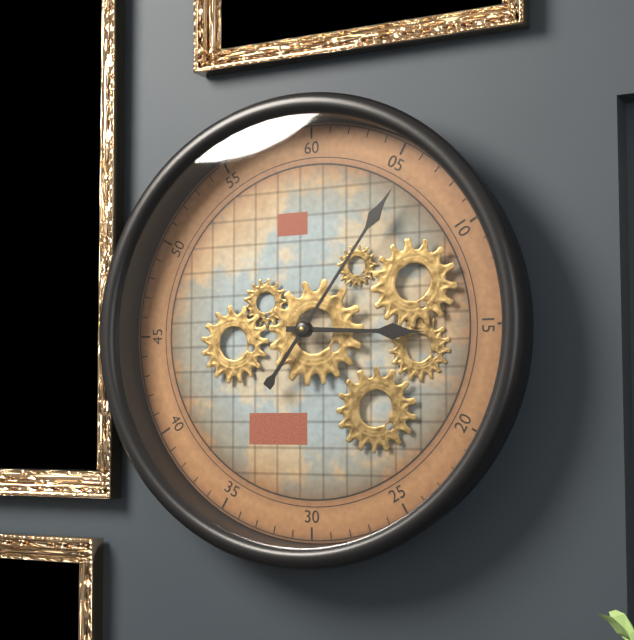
3.06
